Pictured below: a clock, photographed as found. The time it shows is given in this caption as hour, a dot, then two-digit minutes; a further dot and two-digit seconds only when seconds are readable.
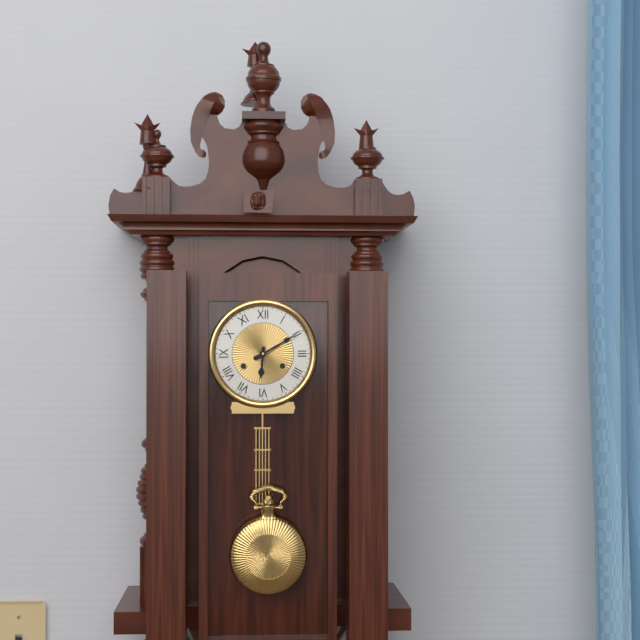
6.10
